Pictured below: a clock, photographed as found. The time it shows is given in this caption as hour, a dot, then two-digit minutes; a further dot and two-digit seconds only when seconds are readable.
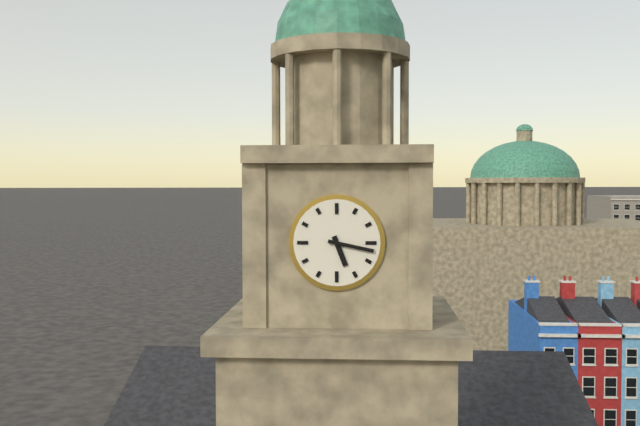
5.17
